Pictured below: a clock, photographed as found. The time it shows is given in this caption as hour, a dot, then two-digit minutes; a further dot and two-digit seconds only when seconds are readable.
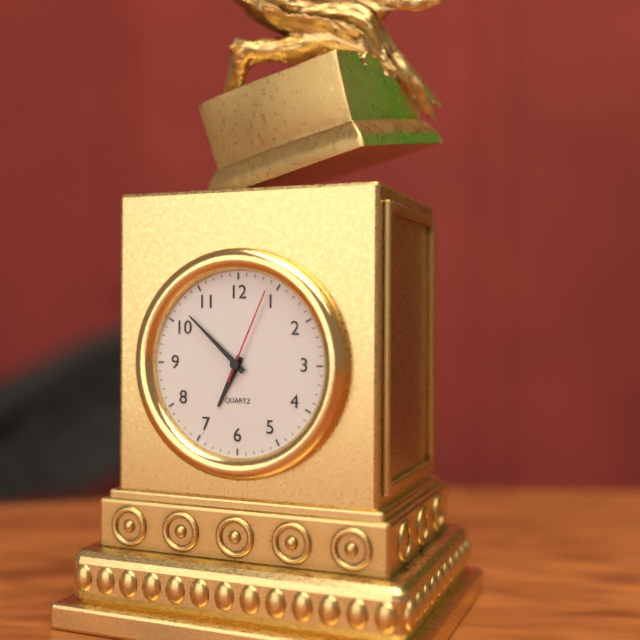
6.52.04
